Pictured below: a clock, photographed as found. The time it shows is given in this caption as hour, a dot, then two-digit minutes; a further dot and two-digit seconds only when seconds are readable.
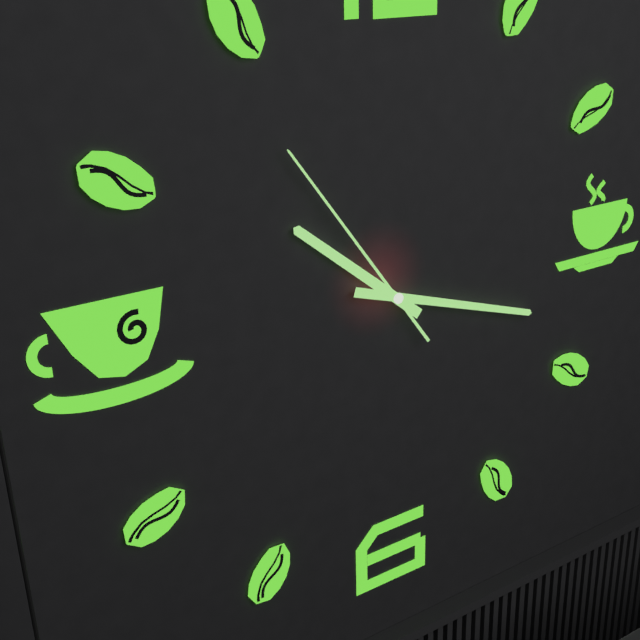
10.18.54
